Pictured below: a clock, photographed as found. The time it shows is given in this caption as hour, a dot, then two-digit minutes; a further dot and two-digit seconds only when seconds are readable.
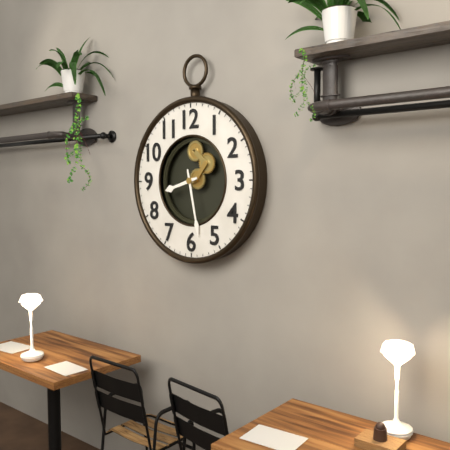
8.28
